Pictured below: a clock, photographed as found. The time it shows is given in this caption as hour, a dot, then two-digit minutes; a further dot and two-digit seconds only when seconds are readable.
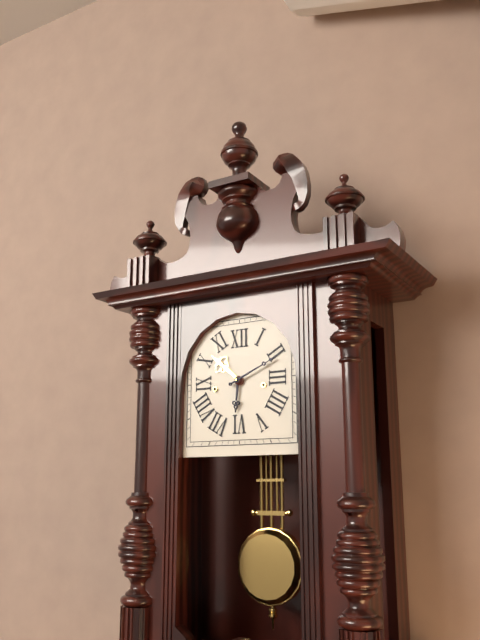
6.11
